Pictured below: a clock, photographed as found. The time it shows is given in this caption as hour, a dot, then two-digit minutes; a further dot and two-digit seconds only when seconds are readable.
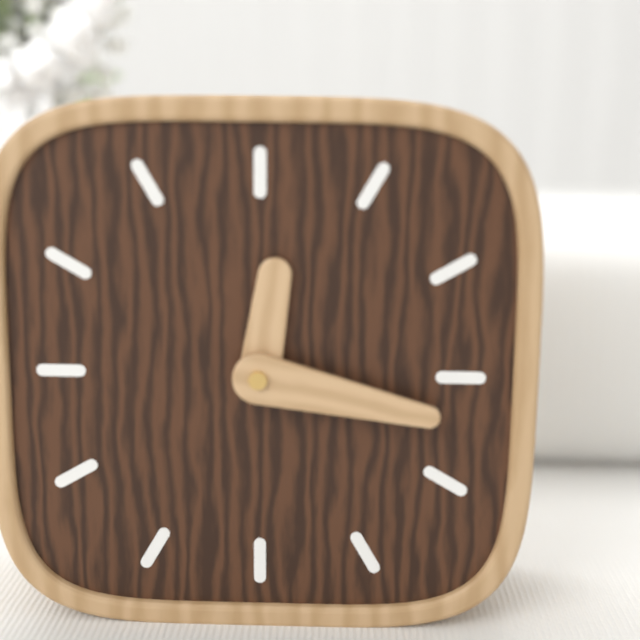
12.17
